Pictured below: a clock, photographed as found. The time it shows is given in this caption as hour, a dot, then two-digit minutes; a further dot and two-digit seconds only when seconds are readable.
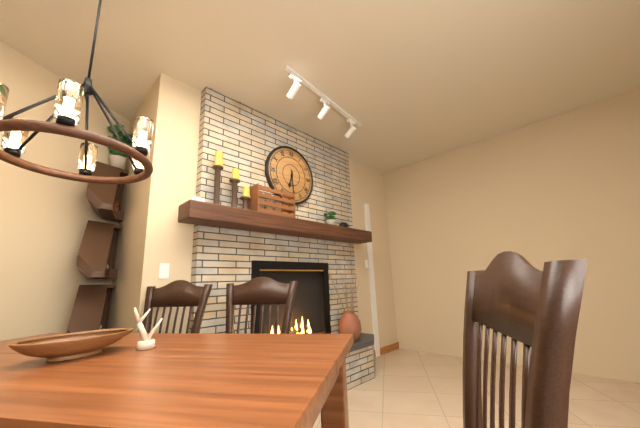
6.29
